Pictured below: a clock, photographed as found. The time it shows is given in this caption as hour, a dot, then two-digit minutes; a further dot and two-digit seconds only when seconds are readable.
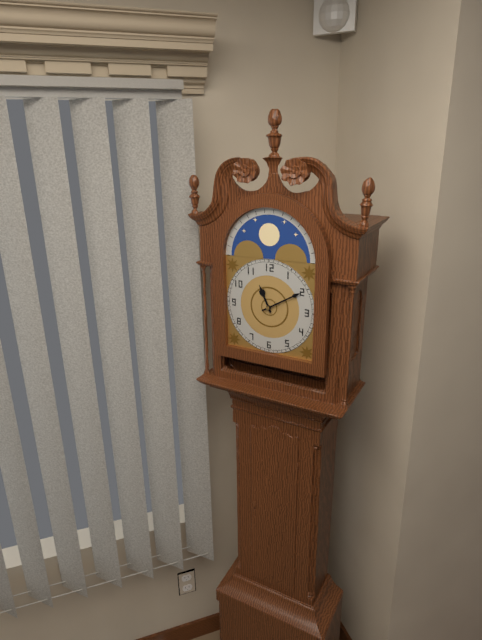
11.10
